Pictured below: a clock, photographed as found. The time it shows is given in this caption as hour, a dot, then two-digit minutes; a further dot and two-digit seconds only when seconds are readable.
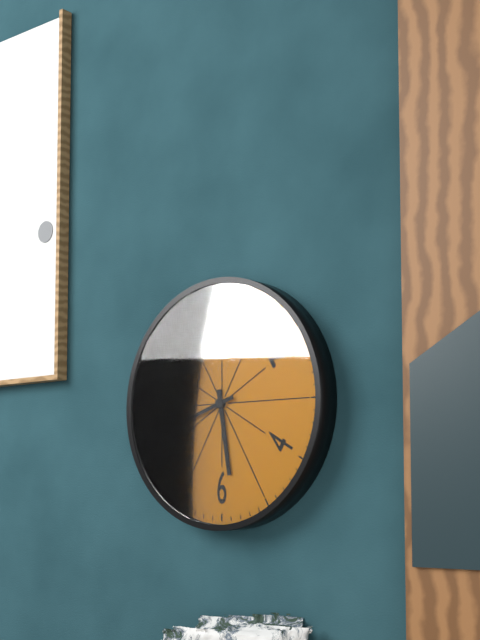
5.42
